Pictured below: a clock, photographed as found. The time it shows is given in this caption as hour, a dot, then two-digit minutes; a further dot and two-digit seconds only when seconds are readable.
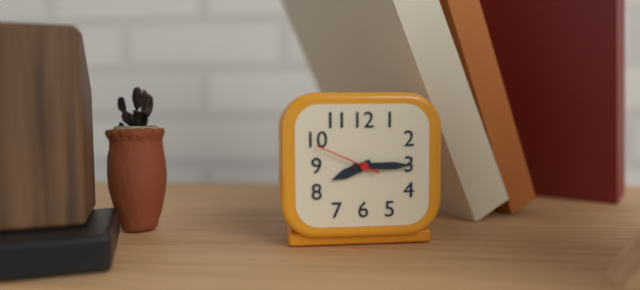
8.15.49
